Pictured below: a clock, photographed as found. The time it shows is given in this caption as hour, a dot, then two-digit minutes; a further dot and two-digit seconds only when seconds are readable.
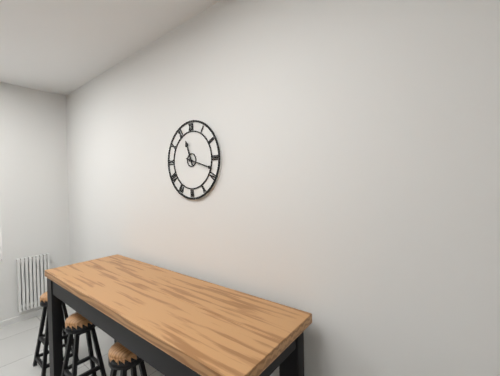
11.18
